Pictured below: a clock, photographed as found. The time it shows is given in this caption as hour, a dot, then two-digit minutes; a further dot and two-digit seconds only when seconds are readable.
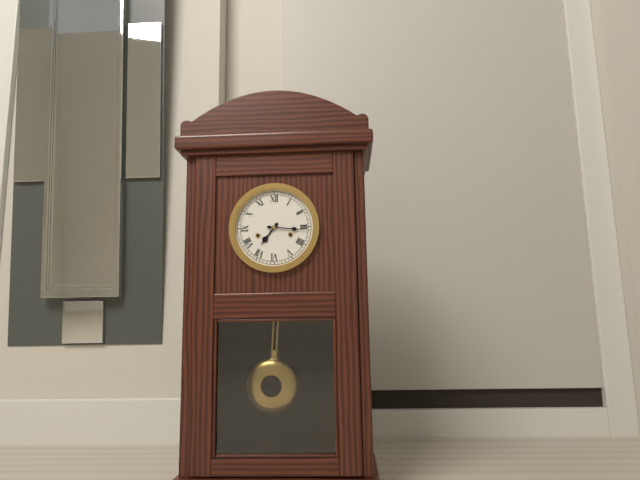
7.16
